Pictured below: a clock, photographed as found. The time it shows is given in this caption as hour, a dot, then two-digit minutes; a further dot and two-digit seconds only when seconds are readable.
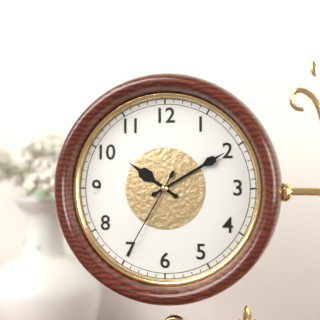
10.10.35
